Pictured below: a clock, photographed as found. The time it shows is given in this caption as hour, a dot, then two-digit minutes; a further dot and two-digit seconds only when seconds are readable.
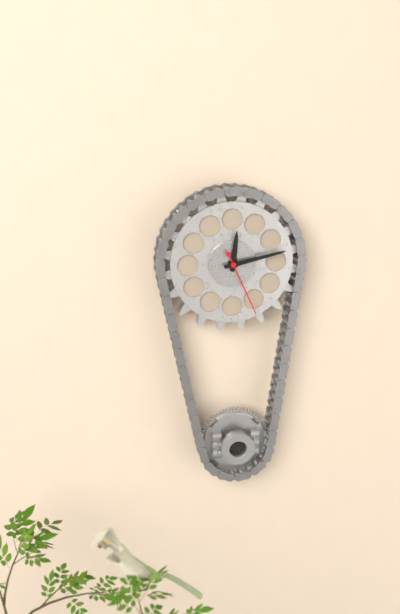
12.13.26
